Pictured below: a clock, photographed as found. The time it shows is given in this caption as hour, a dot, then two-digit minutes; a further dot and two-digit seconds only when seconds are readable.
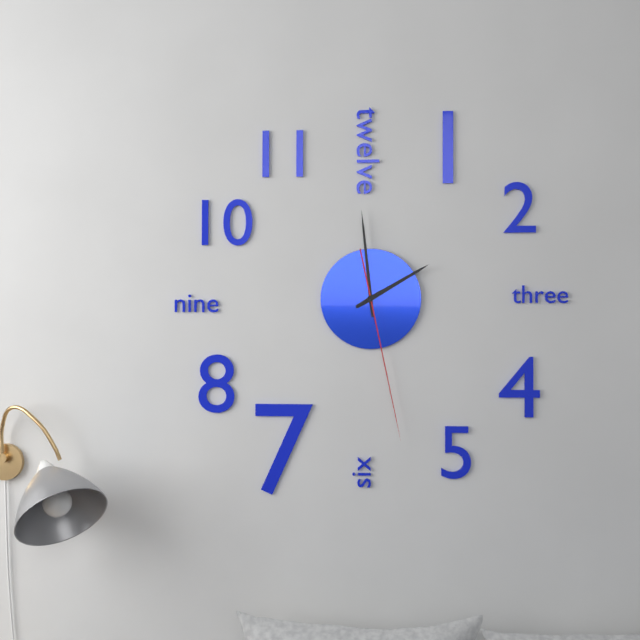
1.59.28
